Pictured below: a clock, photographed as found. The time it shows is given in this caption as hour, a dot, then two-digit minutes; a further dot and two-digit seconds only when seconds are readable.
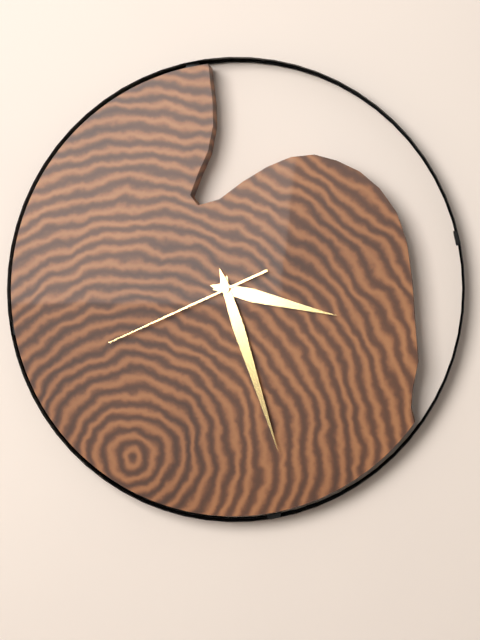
3.27.41
